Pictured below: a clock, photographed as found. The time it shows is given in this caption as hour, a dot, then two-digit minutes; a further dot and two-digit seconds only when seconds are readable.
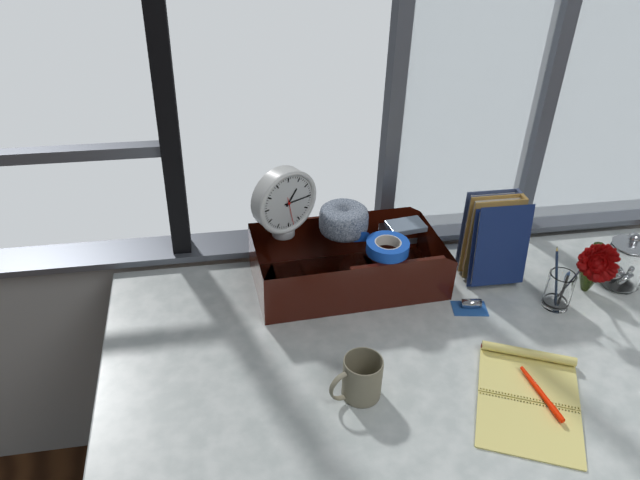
1.15
